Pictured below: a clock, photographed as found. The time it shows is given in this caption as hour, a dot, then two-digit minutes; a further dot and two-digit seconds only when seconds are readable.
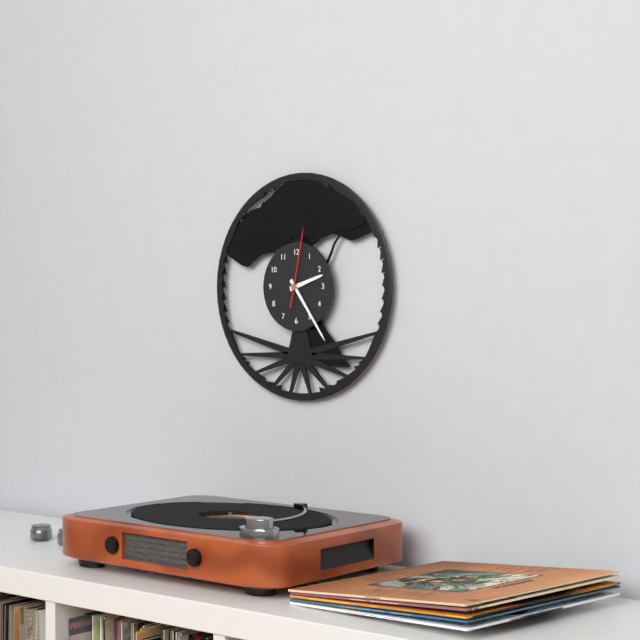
2.24.02
